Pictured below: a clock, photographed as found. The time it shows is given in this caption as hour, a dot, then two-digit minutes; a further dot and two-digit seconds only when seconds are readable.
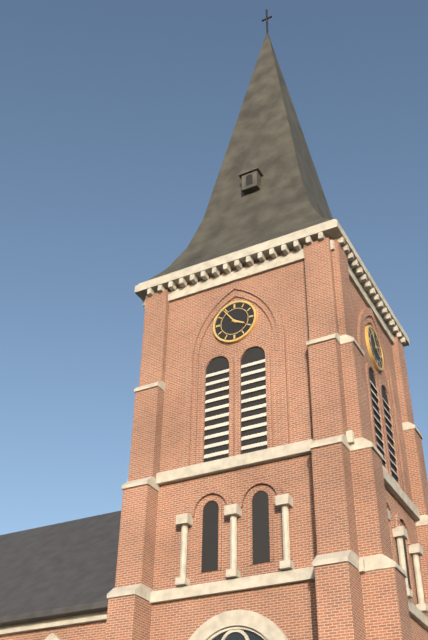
3.54
